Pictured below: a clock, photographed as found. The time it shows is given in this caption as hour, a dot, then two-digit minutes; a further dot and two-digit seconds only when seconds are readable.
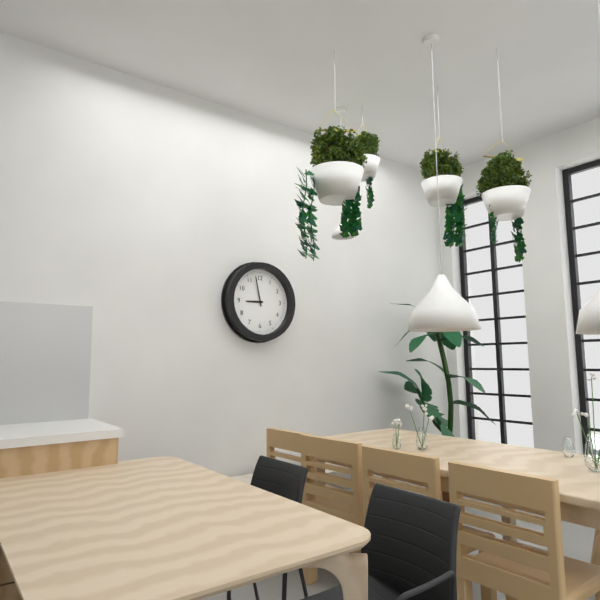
8.58
